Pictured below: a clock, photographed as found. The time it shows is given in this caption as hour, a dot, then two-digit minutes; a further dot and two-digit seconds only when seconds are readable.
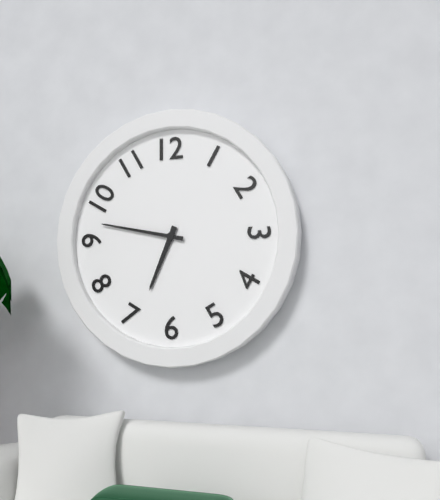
6.47
